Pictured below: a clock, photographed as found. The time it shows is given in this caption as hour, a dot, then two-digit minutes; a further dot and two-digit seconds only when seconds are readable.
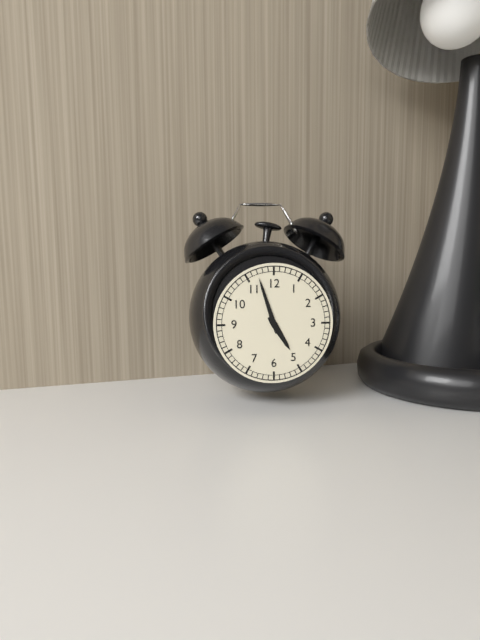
4.57
